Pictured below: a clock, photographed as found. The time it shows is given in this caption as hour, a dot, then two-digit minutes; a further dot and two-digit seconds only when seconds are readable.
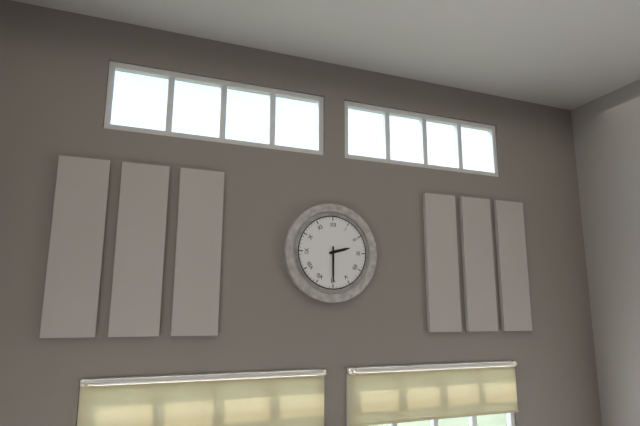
2.30
